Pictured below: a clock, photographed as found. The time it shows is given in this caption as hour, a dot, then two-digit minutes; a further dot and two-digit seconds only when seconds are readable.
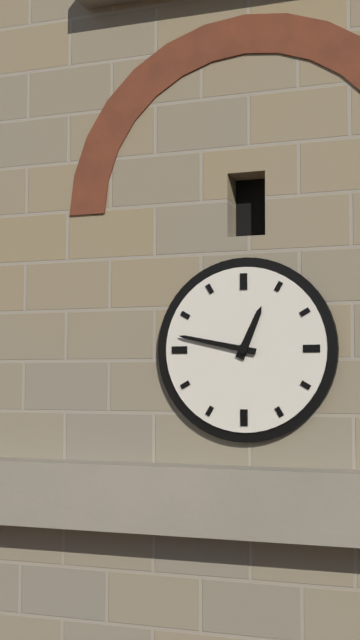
12.47
